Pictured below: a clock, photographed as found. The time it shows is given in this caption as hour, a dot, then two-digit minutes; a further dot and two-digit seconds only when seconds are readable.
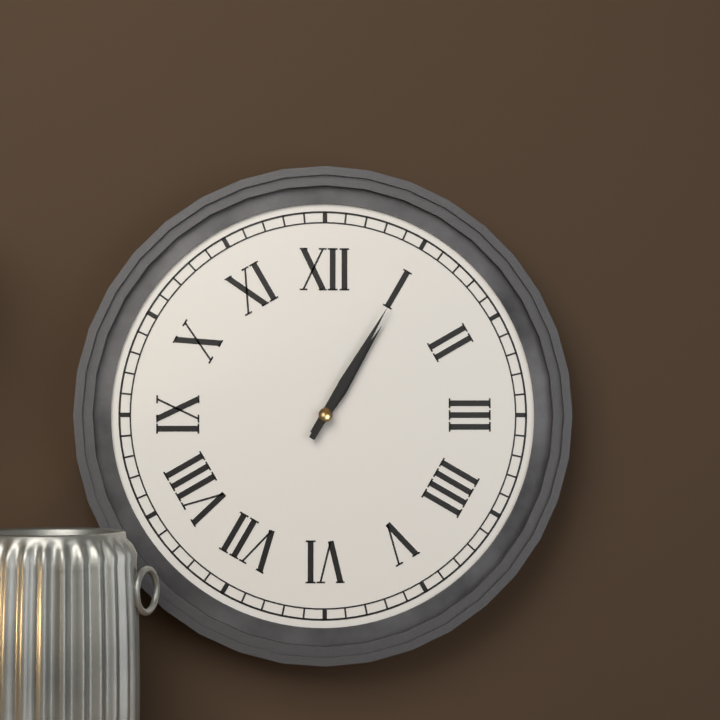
1.05
